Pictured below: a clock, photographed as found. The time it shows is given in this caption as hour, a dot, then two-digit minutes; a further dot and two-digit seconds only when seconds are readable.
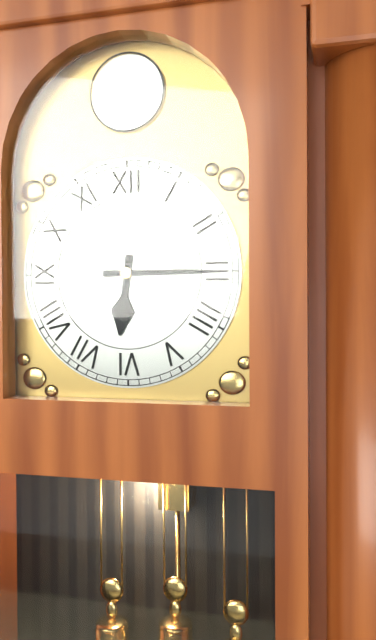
6.15
